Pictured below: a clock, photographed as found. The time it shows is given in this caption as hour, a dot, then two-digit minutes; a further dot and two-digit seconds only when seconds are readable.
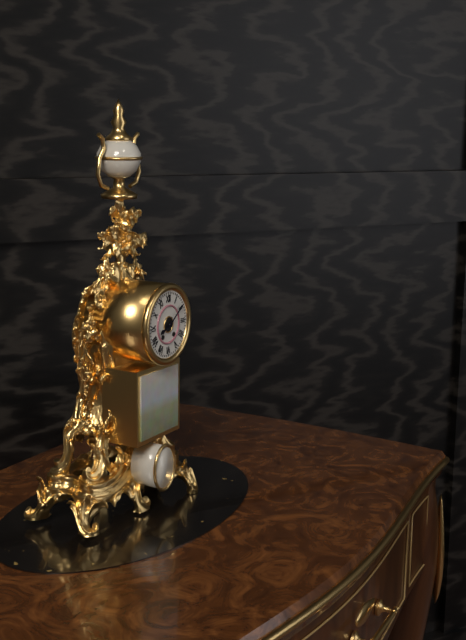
8.09
